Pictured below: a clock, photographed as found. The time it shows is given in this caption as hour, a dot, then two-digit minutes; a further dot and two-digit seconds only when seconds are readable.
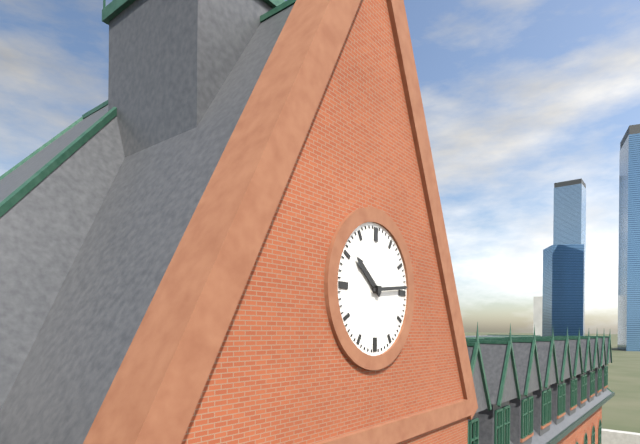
10.14
